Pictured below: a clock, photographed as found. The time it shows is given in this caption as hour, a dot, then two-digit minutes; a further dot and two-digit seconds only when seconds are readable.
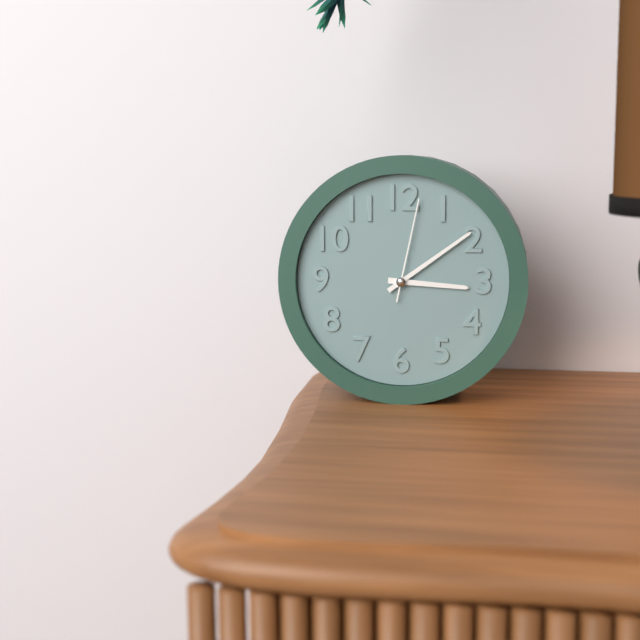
3.09.02
